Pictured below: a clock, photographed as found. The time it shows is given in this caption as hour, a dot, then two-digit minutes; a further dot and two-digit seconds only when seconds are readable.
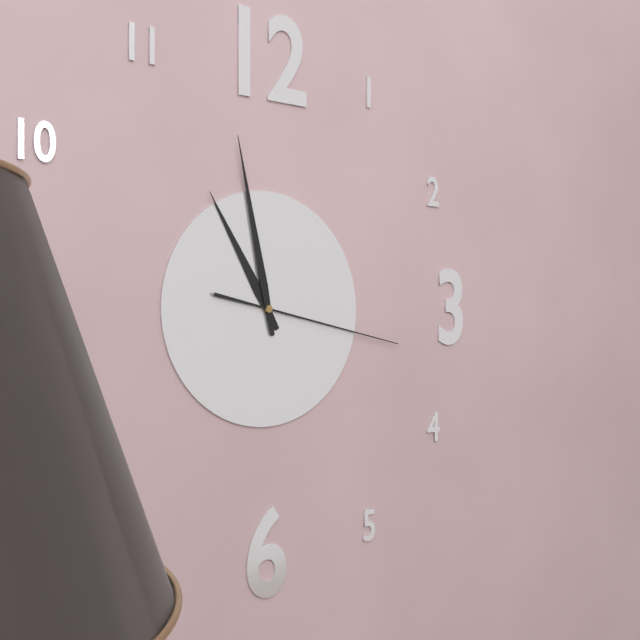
10.58.17
